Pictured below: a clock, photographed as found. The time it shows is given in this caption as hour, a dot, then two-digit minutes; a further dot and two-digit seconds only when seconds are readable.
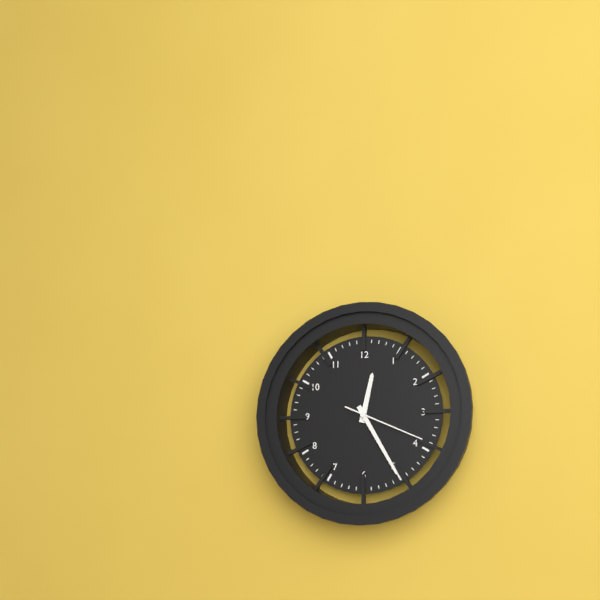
12.25.19
